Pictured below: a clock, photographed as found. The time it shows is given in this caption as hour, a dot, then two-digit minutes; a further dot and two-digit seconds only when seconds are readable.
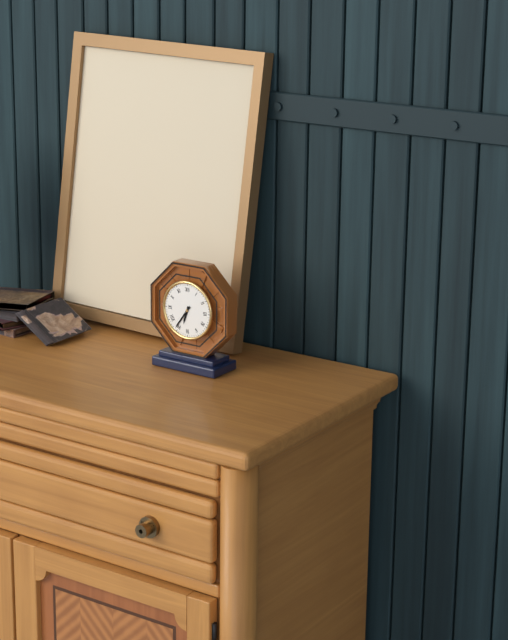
6.36
